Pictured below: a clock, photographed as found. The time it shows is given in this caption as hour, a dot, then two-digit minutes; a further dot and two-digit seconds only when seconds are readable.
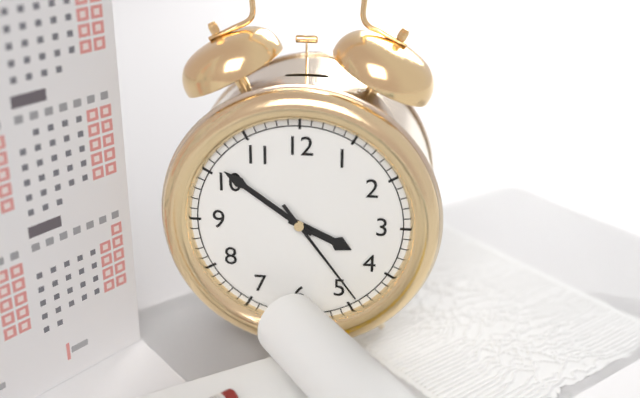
3.51.24
